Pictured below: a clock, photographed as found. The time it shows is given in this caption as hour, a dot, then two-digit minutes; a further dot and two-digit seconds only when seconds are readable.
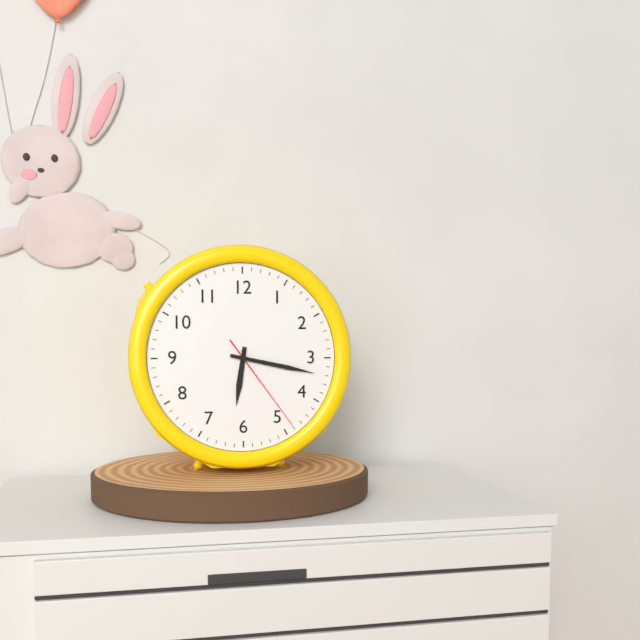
6.17.24
